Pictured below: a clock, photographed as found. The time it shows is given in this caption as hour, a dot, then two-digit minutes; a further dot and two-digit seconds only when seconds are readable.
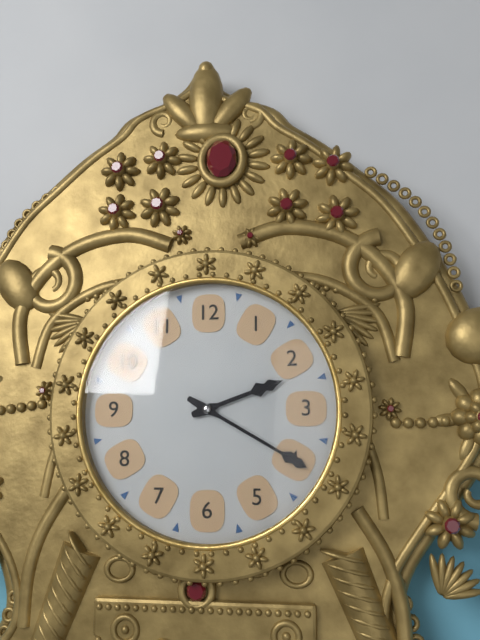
2.20
